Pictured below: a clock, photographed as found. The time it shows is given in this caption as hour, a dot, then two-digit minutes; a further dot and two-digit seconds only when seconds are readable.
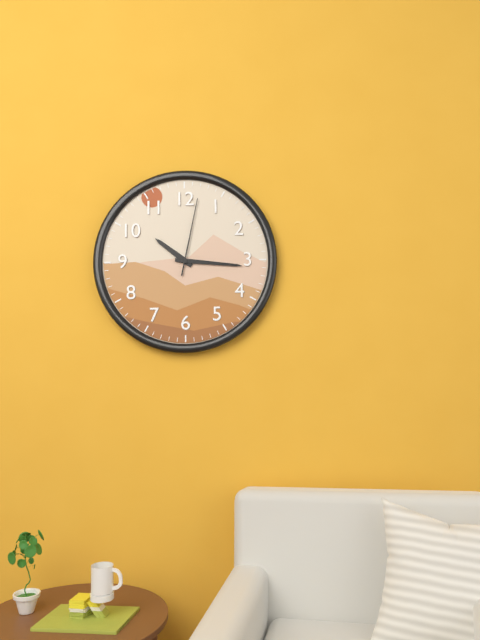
10.16.02
